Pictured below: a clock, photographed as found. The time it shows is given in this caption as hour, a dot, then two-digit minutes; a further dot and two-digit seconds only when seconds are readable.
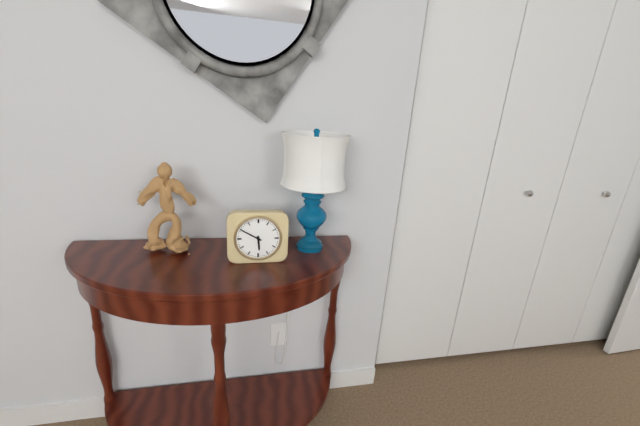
5.50
